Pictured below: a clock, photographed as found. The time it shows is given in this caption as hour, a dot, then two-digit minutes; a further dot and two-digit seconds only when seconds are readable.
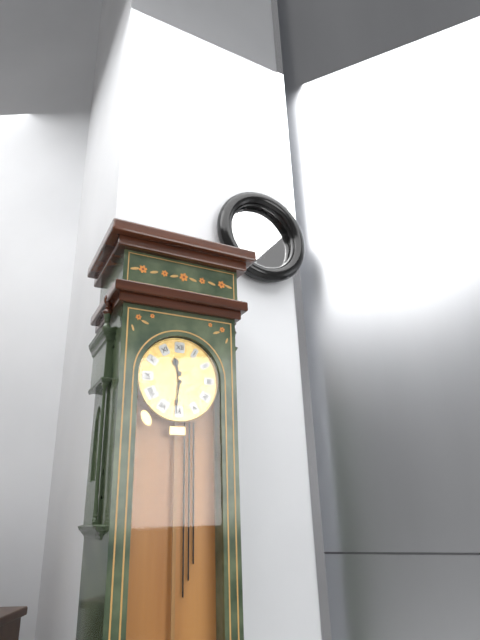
11.31
